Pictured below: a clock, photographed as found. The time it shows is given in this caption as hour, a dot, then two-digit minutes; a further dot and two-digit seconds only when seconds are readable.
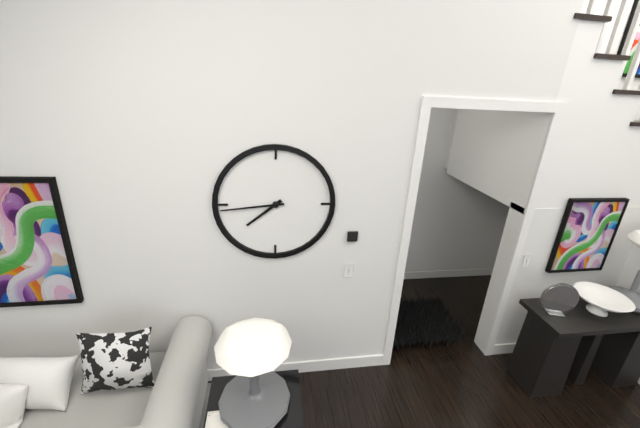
7.44
